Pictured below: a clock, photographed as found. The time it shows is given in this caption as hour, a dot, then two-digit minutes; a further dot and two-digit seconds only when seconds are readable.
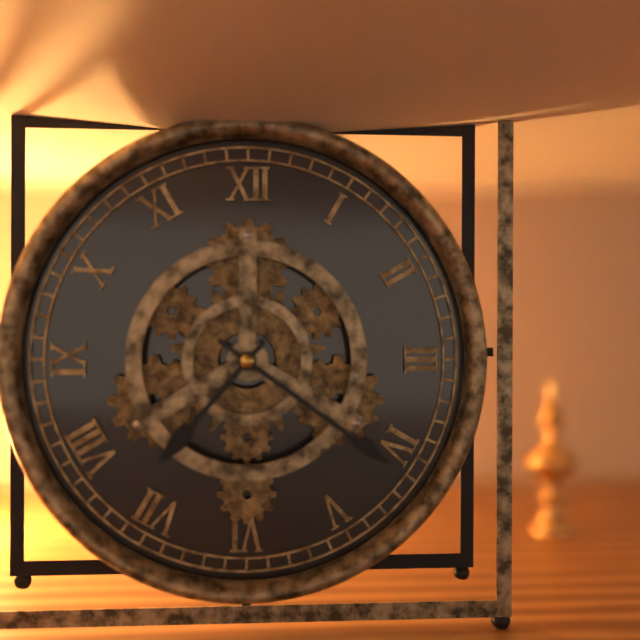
7.21
